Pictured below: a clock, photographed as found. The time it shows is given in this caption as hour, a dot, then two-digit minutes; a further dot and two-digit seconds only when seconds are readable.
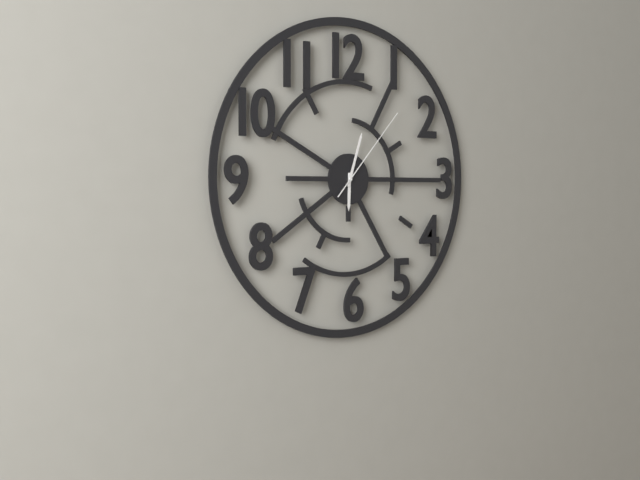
6.03.07
